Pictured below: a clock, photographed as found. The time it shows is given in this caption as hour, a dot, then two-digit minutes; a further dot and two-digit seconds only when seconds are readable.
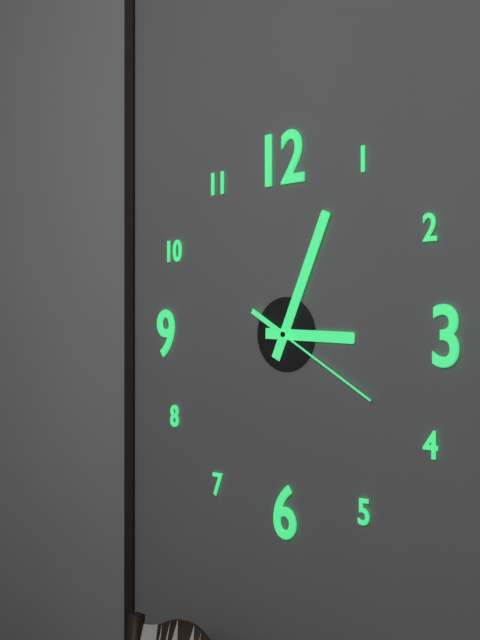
3.04.20
